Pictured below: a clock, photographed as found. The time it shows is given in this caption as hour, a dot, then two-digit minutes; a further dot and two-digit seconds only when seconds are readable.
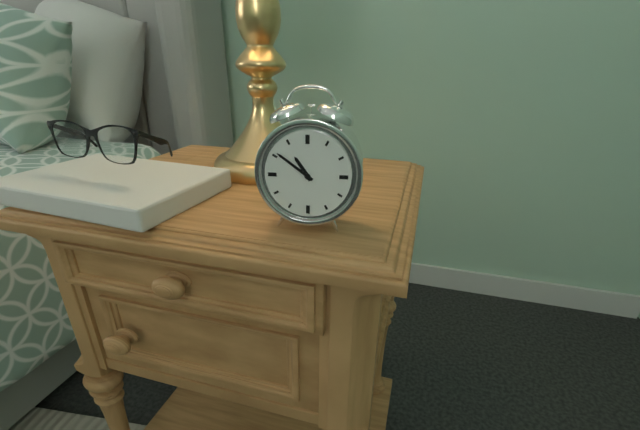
10.51
